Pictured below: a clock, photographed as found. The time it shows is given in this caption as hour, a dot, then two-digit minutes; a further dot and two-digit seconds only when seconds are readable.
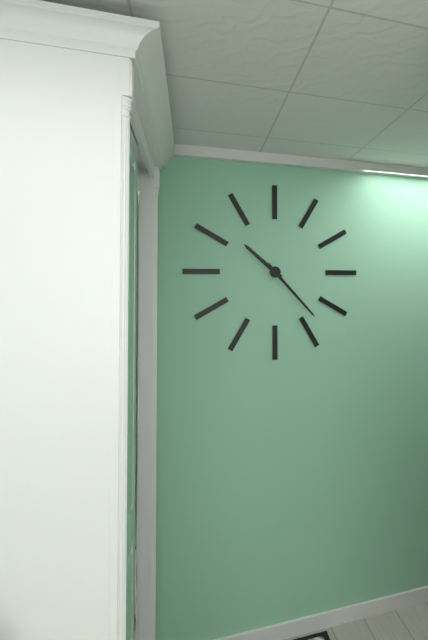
10.23
